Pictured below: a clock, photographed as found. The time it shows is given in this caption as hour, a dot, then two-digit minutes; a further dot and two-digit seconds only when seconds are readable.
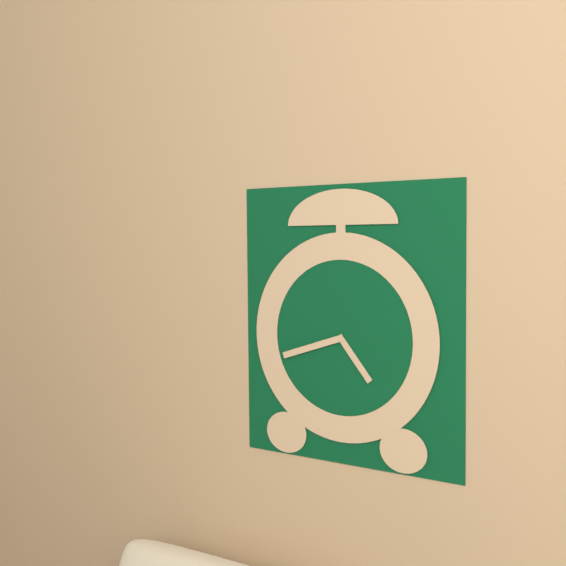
4.42
